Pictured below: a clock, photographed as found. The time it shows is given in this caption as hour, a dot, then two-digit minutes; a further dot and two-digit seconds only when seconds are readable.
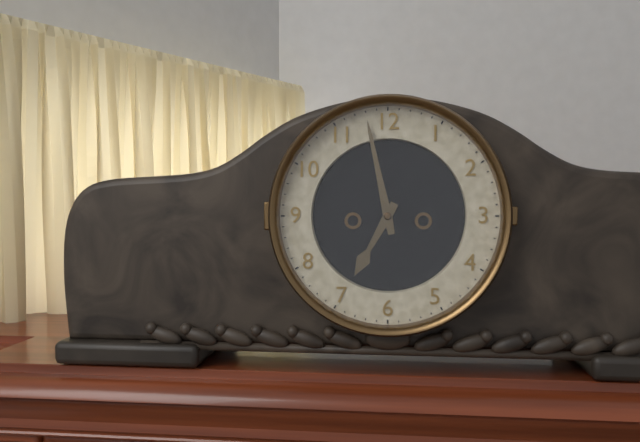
6.58
